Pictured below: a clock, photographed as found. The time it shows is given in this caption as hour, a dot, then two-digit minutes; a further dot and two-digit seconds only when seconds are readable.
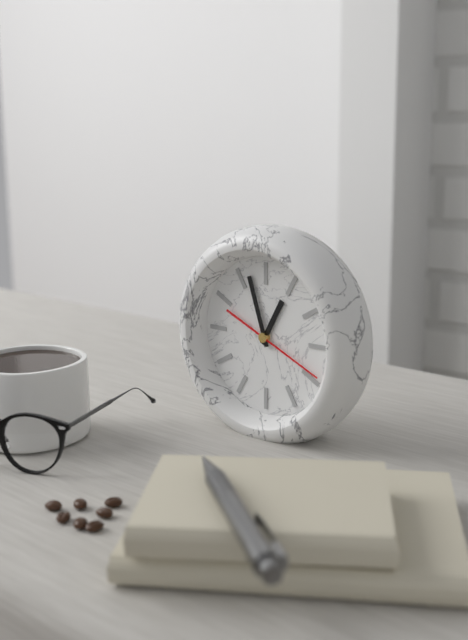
12.57.19
